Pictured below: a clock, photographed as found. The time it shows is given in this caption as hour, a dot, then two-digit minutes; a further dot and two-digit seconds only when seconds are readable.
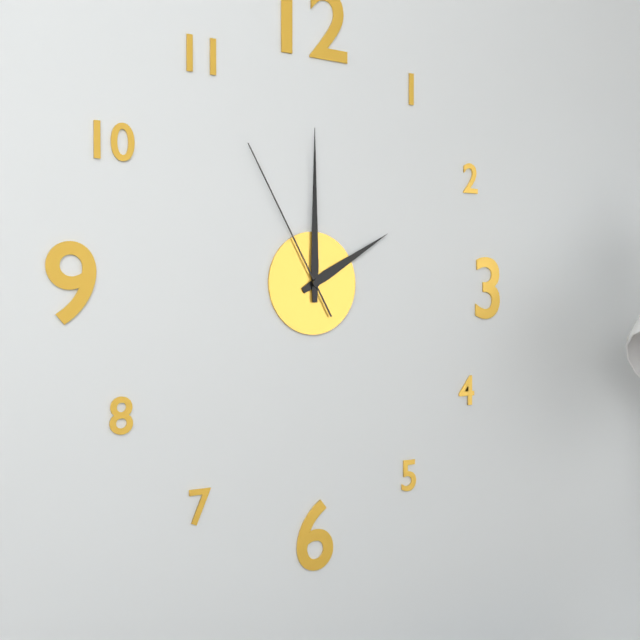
2.00.55
